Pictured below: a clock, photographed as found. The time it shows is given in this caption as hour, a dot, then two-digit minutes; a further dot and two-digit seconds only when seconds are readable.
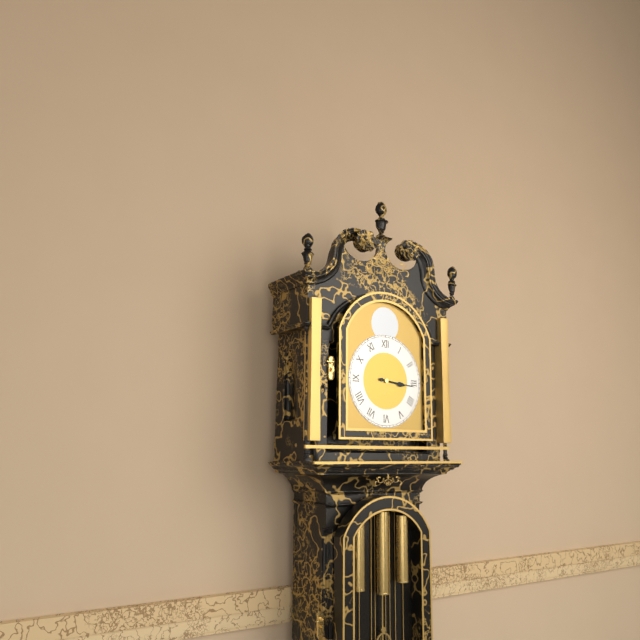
3.16
